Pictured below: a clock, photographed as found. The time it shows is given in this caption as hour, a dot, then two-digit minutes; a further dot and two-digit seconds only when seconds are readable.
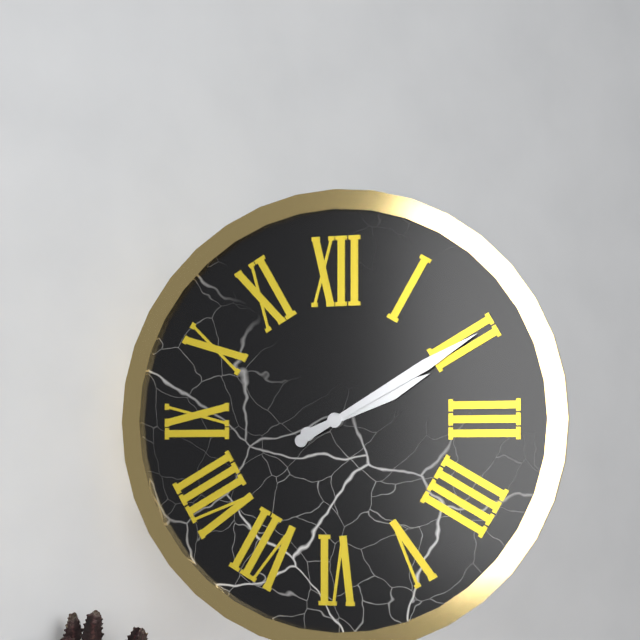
2.10
